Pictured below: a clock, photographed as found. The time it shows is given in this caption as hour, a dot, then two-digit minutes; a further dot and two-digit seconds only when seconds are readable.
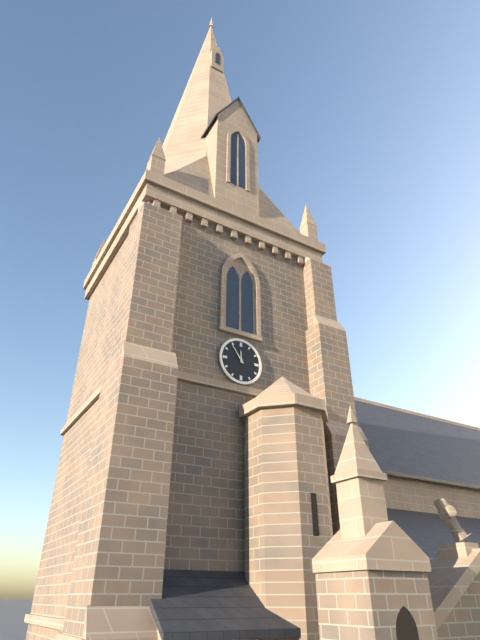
11.54
